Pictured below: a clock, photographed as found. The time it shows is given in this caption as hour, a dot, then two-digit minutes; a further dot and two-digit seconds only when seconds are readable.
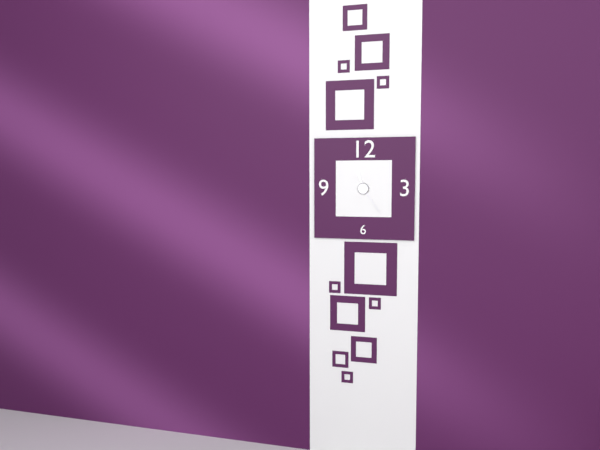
11.24
